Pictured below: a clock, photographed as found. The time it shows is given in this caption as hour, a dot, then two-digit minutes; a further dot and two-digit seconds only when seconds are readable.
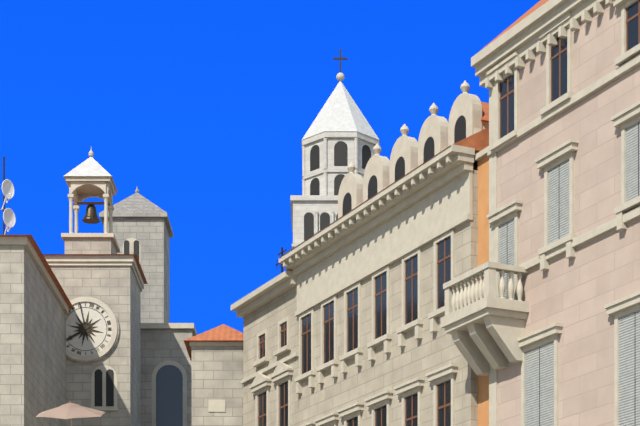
7.58
